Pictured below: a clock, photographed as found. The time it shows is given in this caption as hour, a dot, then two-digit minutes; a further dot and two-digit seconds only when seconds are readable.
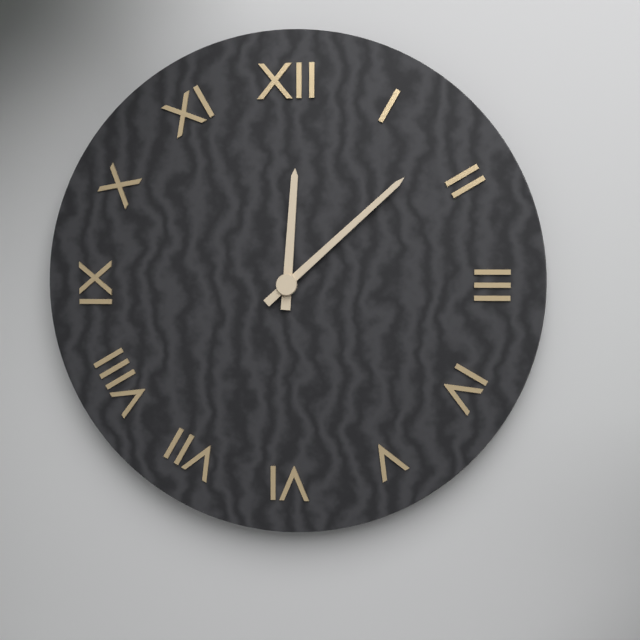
12.08
